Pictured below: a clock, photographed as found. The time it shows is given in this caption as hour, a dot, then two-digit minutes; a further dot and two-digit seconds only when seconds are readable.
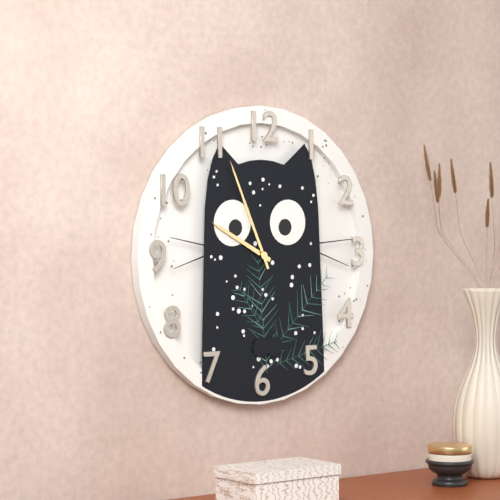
9.56
